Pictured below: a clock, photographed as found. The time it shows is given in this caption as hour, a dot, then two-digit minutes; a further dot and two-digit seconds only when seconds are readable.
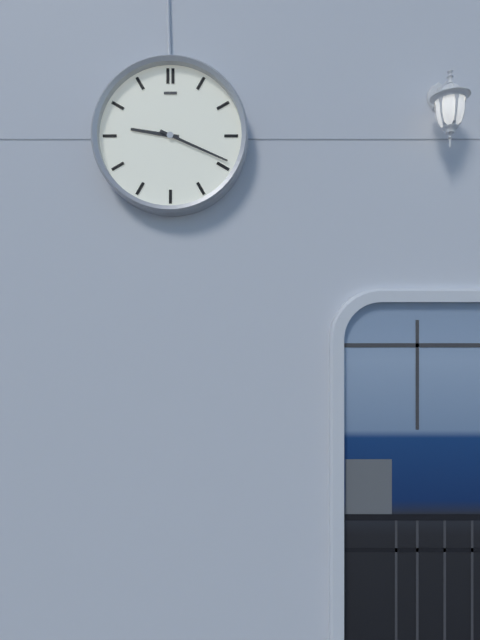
9.19
